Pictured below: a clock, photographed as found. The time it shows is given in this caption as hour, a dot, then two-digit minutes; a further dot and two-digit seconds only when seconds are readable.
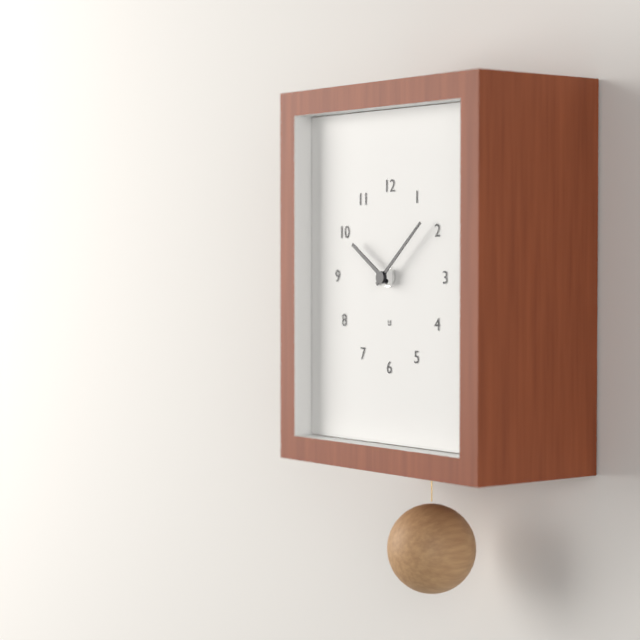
10.08
